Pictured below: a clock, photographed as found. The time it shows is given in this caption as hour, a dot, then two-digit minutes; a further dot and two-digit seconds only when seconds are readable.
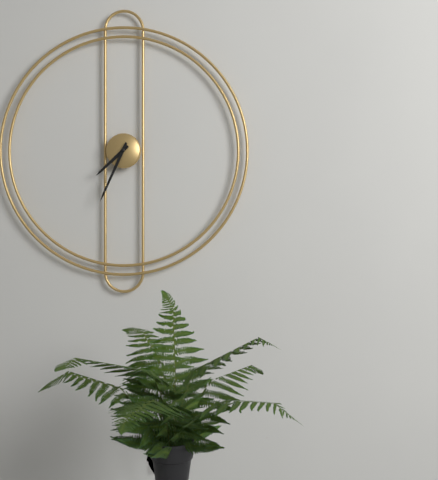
7.34
